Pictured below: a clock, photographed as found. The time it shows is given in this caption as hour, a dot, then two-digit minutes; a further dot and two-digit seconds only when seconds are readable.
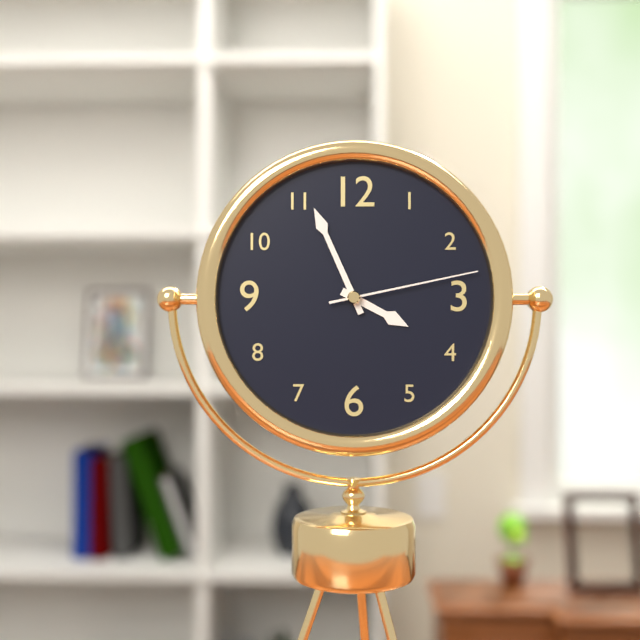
3.56.13
